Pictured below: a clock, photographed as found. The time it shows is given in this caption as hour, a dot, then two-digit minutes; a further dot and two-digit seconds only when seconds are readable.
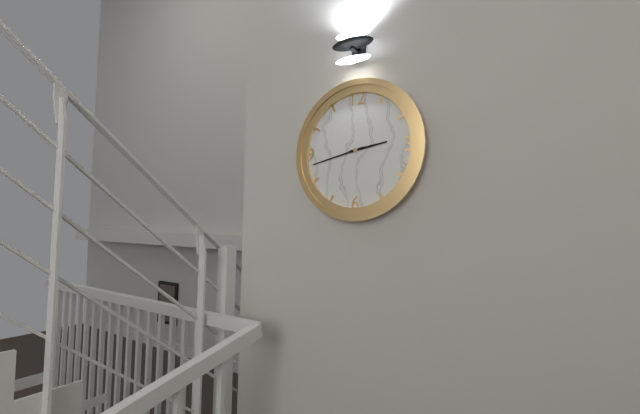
2.43
